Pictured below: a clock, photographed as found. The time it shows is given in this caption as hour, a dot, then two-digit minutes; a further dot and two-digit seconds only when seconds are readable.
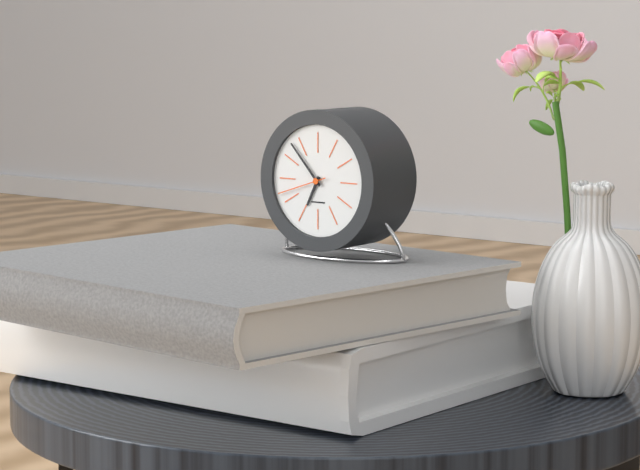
6.53.42
